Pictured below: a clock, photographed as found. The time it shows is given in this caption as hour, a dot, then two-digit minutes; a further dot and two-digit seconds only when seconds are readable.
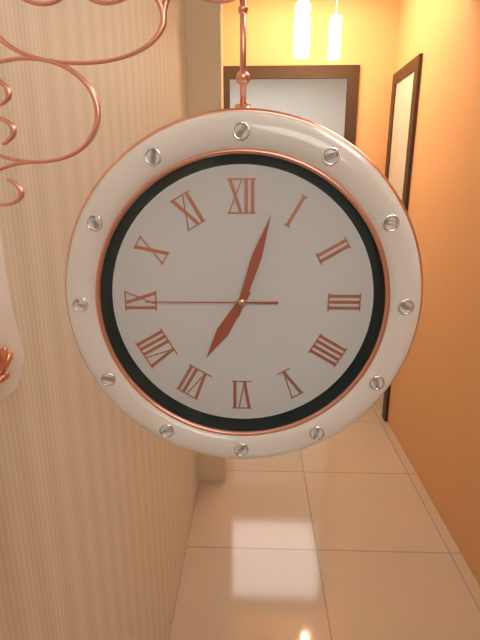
7.03.45
